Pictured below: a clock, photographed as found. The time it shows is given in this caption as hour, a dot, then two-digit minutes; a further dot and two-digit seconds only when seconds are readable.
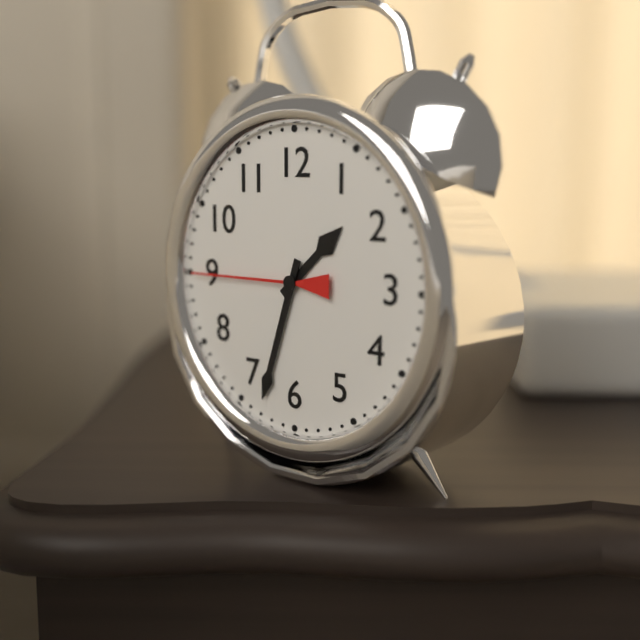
1.33.45
